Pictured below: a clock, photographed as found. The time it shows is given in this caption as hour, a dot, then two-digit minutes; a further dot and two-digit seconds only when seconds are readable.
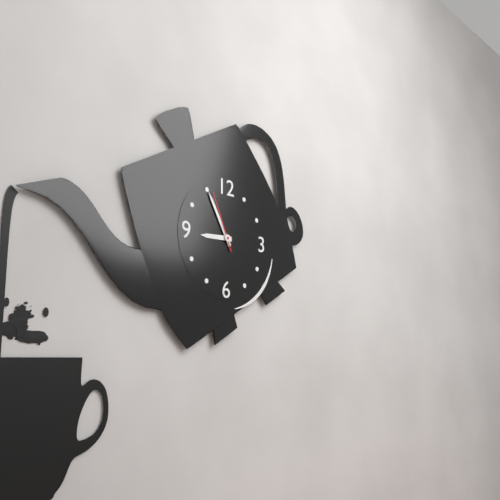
8.55.56
